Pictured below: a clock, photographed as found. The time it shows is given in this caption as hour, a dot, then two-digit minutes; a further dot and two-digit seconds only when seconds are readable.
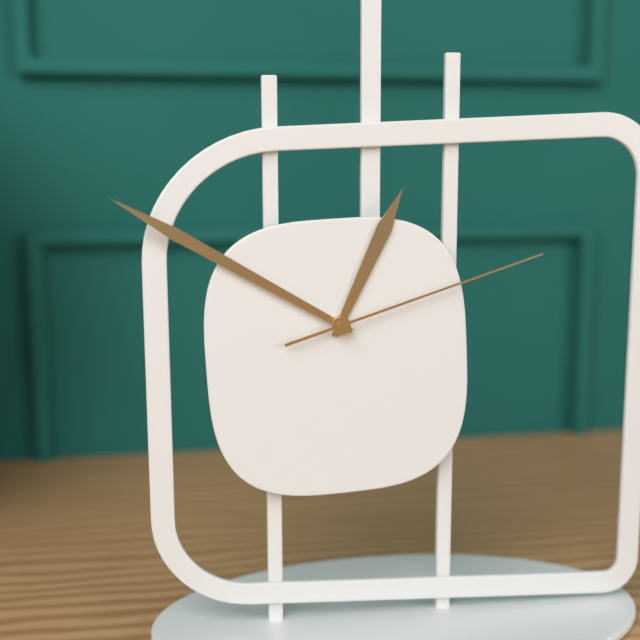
12.50.12
